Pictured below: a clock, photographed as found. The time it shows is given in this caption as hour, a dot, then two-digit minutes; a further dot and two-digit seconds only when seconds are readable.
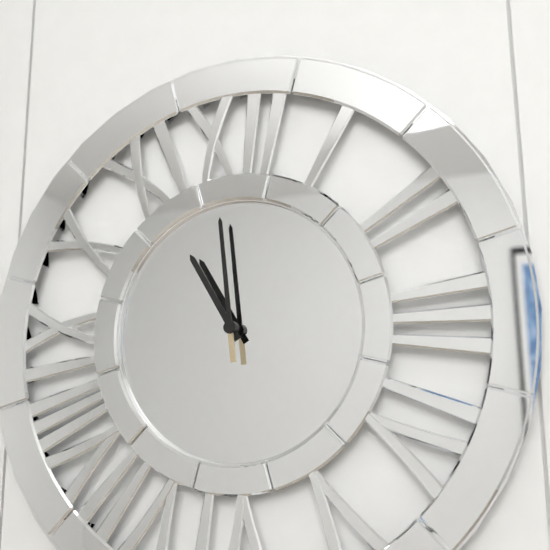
10.59
